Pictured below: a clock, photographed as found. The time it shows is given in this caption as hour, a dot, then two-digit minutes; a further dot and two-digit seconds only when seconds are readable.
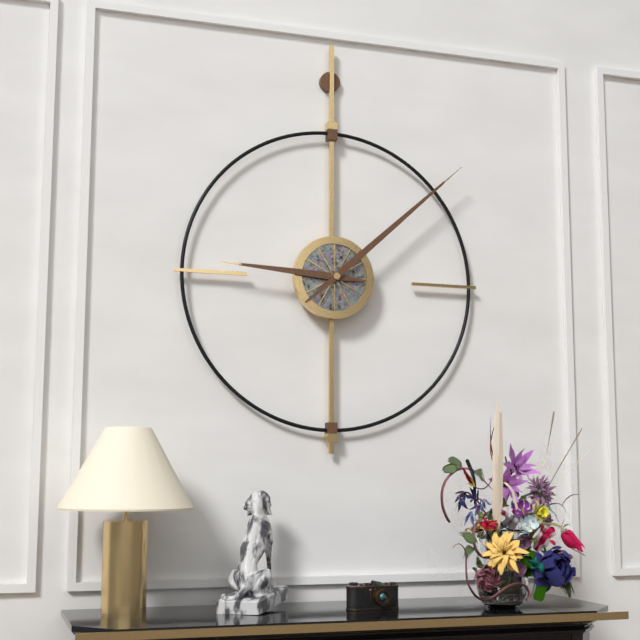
9.08
